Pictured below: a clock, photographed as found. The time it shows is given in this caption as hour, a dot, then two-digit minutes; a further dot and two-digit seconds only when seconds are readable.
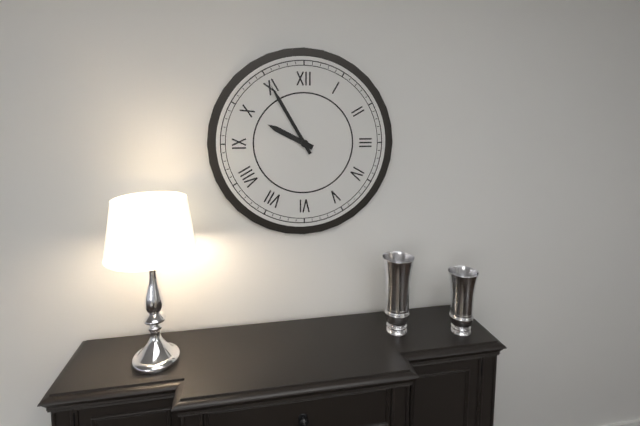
9.55
